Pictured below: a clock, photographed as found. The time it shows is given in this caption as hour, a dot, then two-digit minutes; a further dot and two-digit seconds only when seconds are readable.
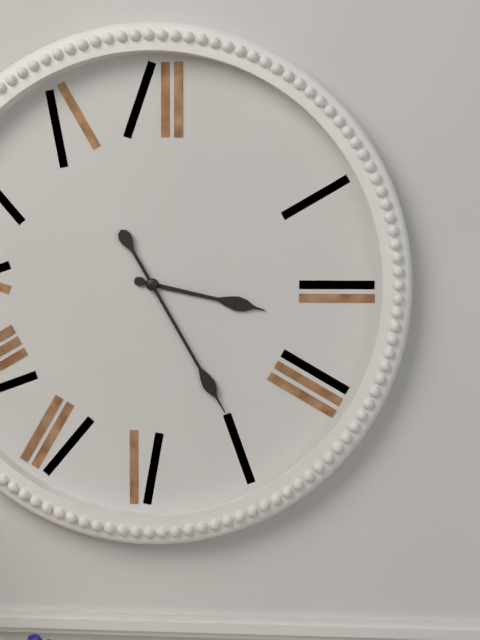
3.25
